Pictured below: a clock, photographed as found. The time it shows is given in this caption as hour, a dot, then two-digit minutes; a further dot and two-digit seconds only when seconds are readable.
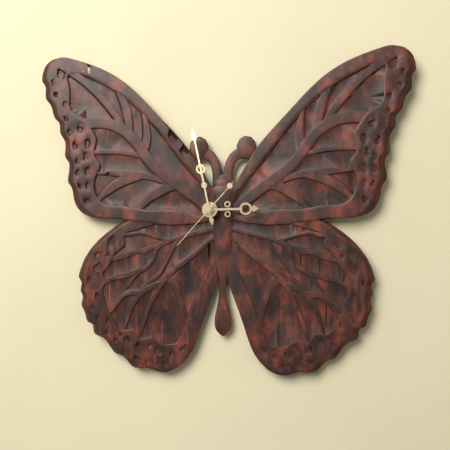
2.58.37
